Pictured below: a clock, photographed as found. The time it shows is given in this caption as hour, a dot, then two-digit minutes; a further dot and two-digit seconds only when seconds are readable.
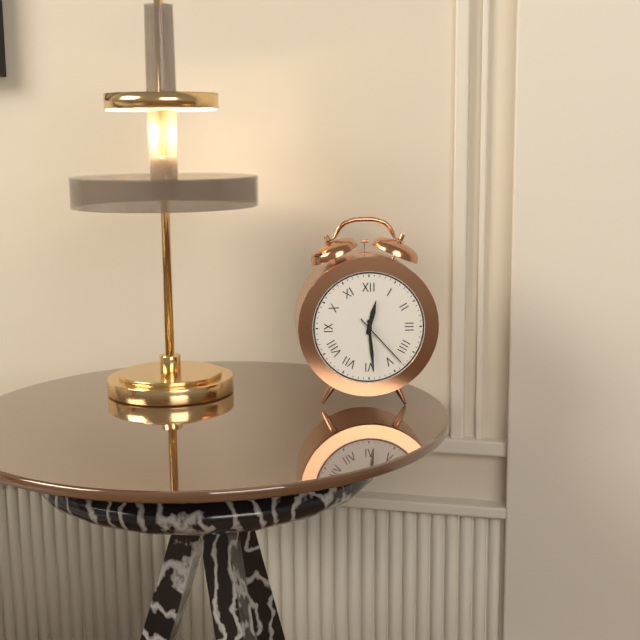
12.29.23
